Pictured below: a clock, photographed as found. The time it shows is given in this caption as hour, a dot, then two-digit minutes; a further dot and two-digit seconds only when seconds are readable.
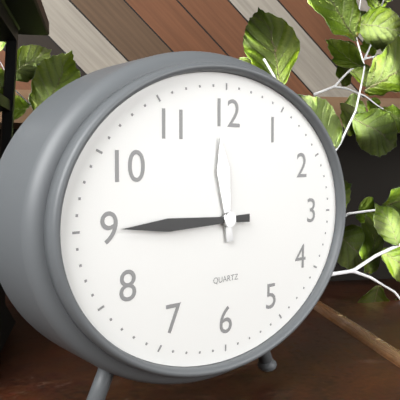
11.45
